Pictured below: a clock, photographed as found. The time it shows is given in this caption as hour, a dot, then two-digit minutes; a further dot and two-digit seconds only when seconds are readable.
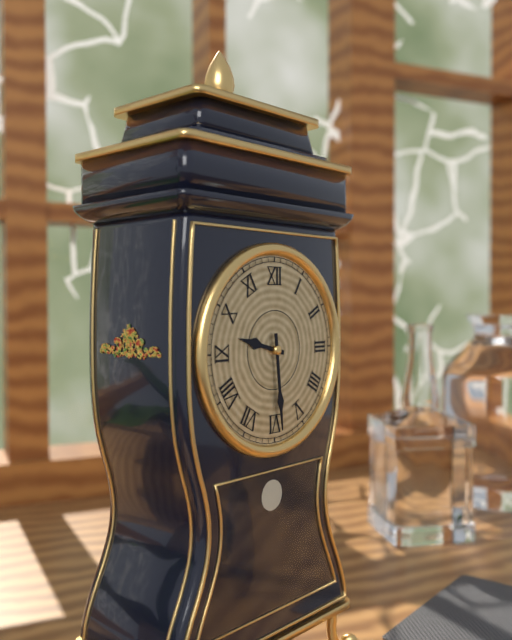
9.29
